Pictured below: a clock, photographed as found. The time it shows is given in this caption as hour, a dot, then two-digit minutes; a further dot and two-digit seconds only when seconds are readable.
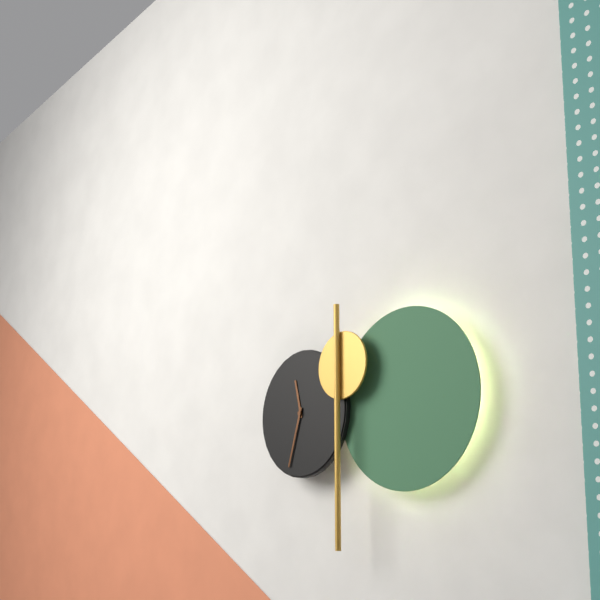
11.33
